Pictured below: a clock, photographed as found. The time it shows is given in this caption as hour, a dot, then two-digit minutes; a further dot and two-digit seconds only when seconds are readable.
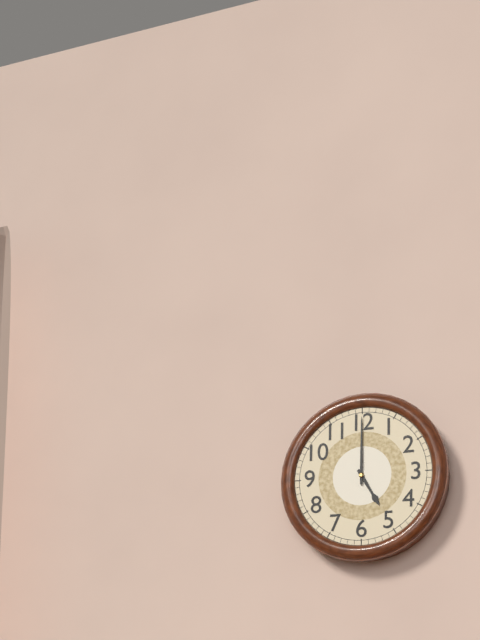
5.00
